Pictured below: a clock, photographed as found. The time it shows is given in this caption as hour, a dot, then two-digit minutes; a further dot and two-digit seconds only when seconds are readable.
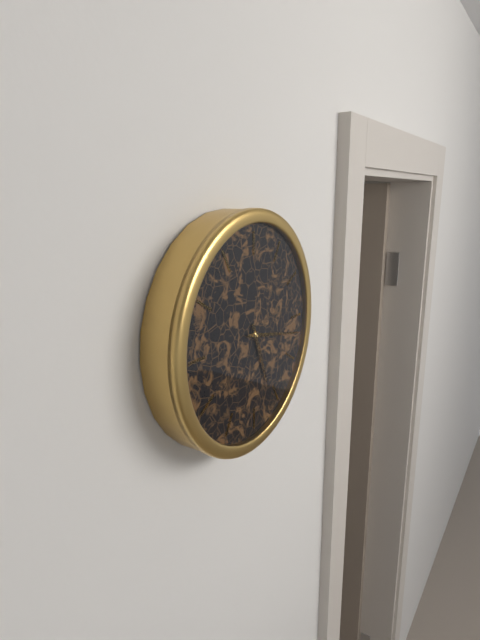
5.17
